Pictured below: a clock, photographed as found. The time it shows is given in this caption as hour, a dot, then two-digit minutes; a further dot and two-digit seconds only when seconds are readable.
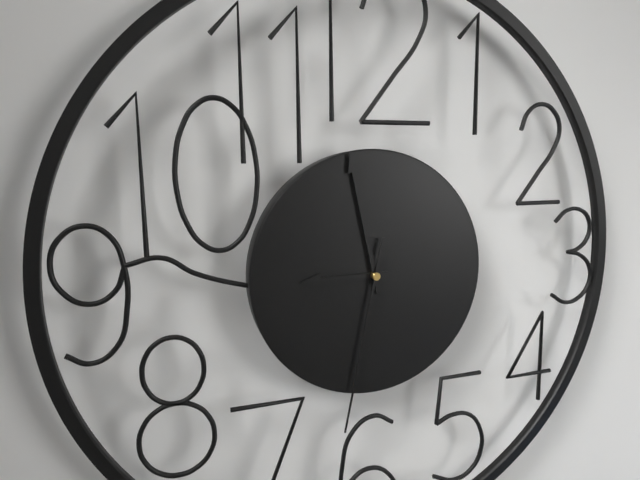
8.58.32
